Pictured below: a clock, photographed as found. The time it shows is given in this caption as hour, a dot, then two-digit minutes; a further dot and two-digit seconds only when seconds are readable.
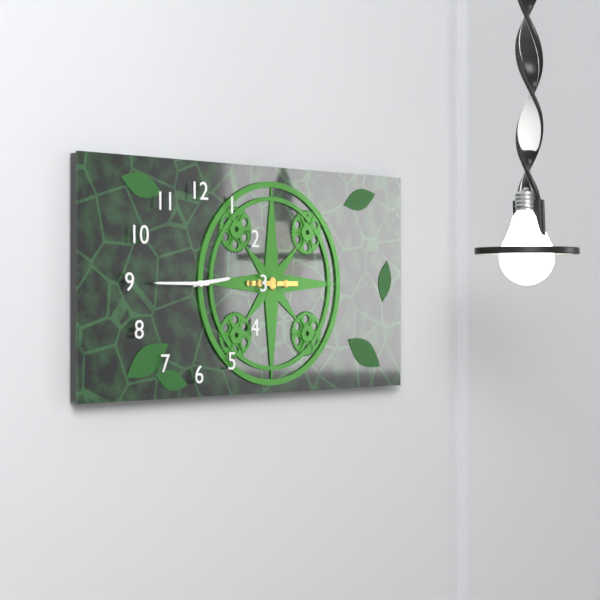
2.45
